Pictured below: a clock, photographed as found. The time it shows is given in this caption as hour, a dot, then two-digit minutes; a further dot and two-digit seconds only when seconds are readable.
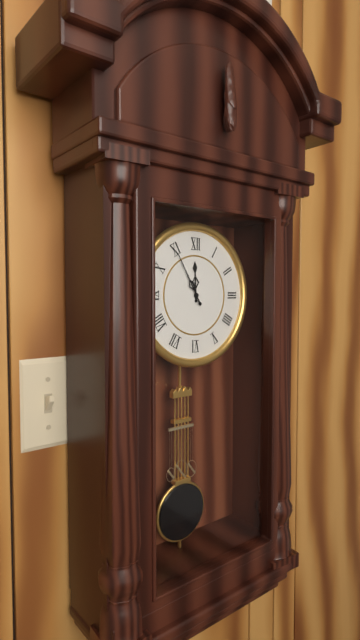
11.55
